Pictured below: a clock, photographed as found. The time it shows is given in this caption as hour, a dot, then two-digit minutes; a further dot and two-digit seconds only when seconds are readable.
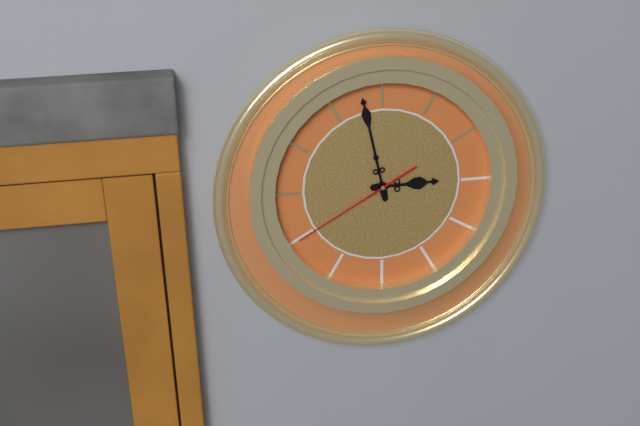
2.58.40
